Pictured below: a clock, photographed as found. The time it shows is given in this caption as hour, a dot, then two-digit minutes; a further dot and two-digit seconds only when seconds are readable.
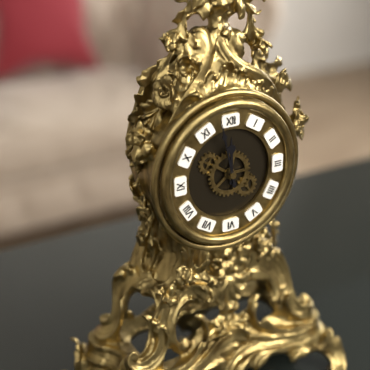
11.58
